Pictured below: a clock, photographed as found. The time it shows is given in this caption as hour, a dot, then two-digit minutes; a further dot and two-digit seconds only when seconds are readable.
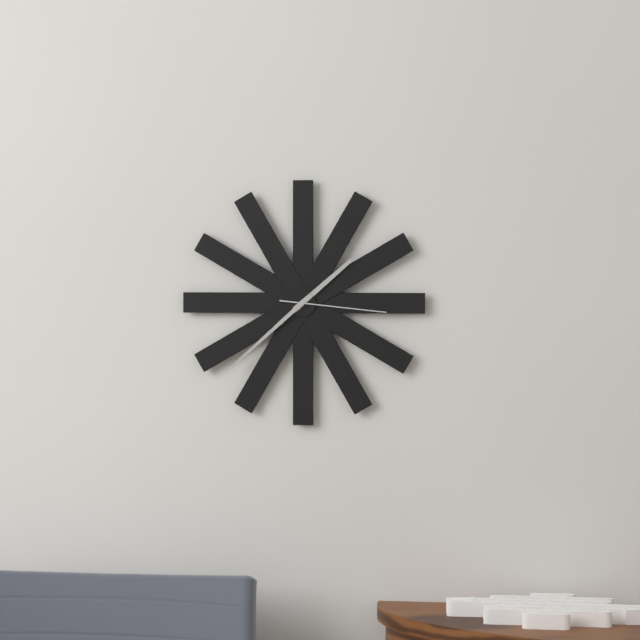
1.38.16
